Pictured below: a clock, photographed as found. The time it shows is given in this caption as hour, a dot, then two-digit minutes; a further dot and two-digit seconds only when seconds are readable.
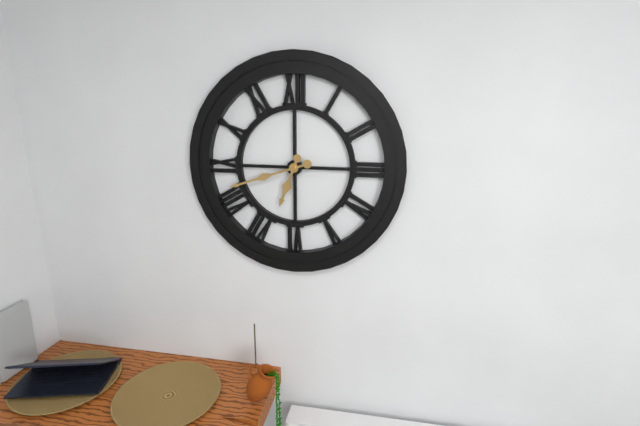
6.42
